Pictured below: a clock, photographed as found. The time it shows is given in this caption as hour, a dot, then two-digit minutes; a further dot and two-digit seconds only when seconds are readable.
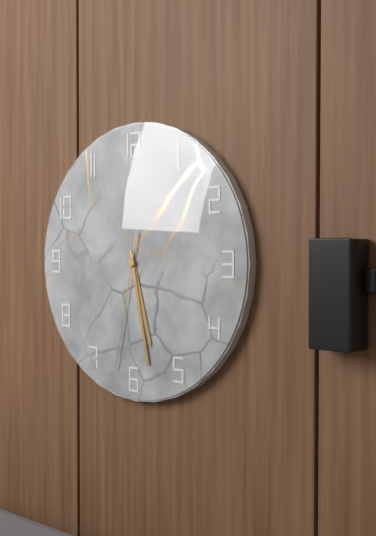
5.28.32
